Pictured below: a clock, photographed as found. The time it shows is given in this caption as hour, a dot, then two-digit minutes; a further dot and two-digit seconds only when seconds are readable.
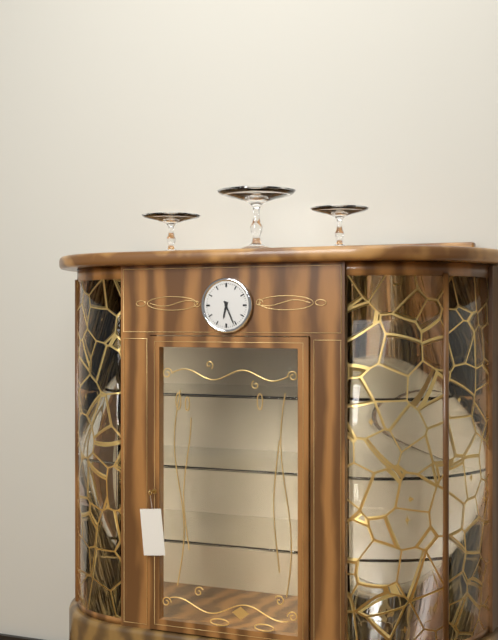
6.26
